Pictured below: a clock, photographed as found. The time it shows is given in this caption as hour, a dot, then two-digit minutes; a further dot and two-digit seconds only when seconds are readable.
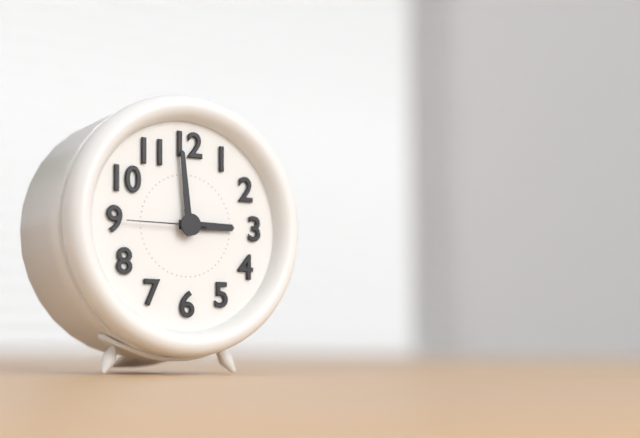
2.59.45
